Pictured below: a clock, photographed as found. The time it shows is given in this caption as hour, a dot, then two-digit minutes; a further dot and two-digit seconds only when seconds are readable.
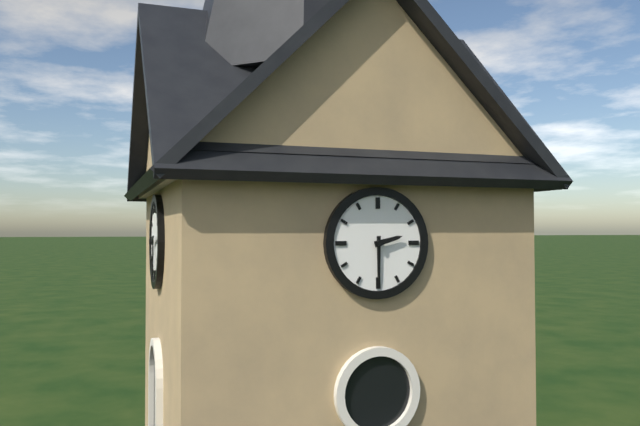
2.30
